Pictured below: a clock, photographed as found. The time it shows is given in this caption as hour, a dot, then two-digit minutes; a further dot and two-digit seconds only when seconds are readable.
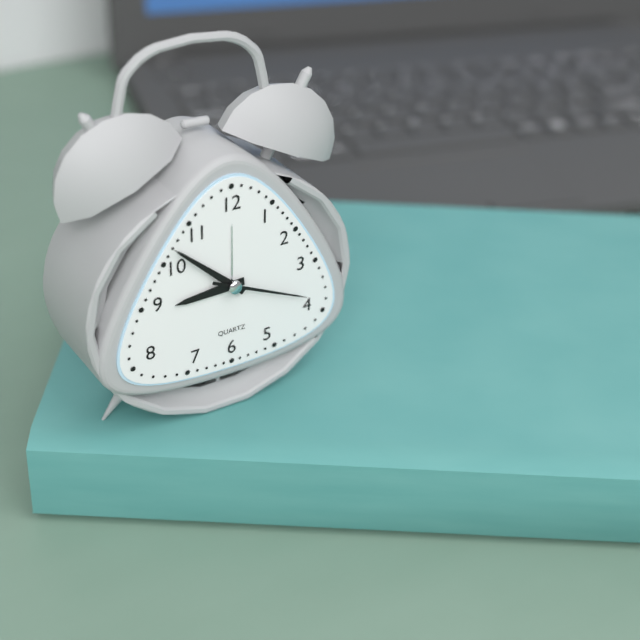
8.52.19
